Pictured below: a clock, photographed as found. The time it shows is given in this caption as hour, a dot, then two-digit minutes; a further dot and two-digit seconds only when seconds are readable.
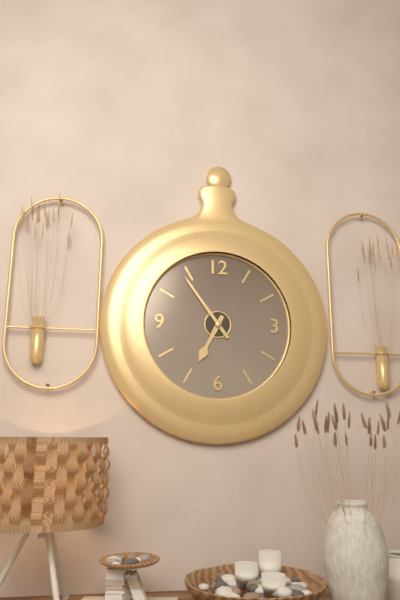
6.54
